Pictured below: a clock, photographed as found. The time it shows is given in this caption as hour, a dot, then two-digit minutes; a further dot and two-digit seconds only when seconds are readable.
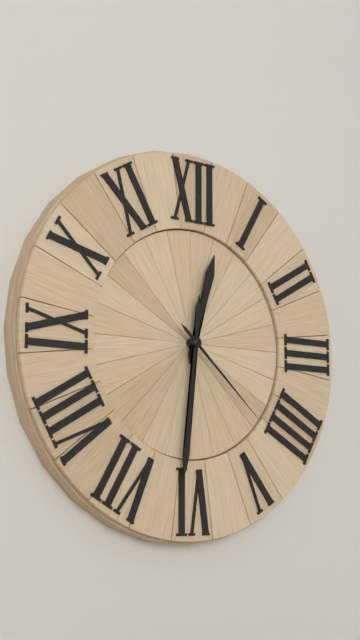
12.31.22
